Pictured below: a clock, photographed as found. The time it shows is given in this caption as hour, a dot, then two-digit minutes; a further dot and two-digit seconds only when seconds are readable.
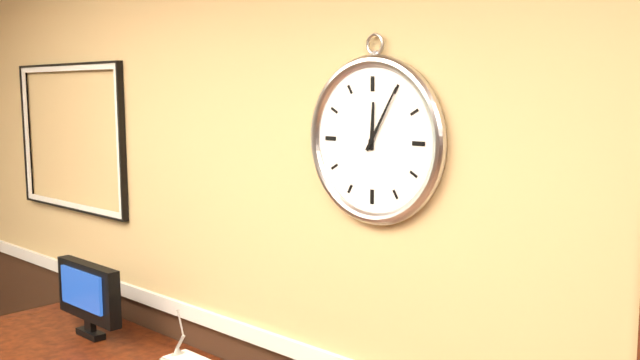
12.05
